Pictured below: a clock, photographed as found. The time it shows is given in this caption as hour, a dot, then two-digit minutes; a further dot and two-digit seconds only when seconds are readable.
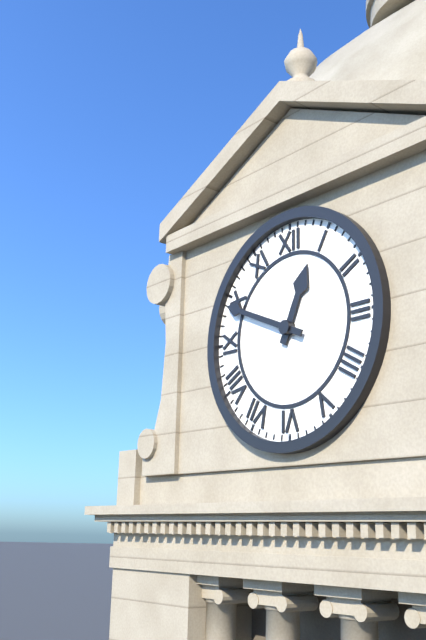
12.49
